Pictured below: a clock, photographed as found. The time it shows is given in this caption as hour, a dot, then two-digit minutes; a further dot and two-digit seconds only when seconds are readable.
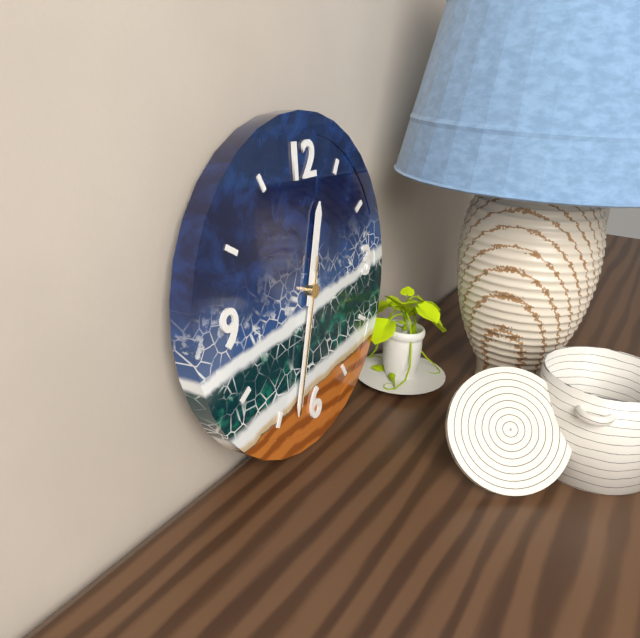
12.33.33
